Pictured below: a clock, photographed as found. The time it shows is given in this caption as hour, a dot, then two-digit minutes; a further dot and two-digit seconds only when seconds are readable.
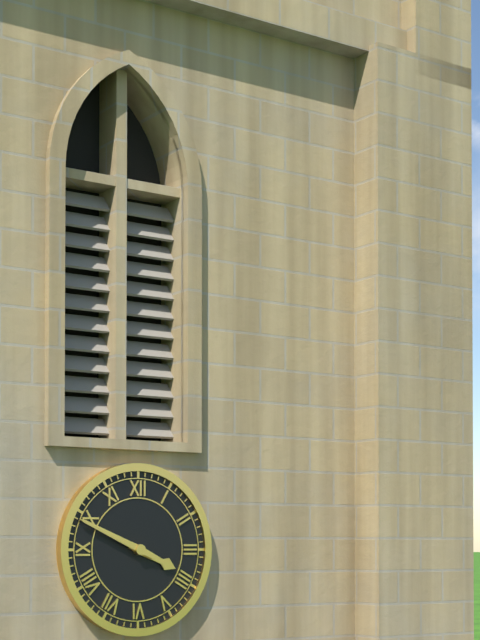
3.49
